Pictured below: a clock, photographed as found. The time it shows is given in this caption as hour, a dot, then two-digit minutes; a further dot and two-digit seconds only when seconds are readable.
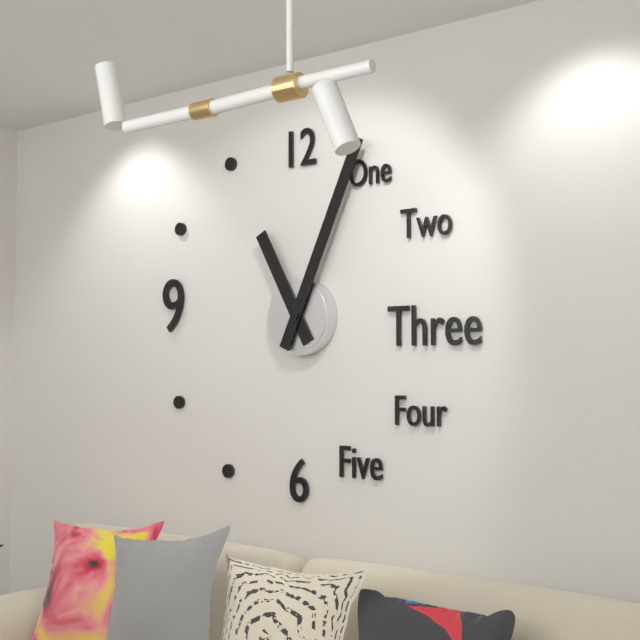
11.04
